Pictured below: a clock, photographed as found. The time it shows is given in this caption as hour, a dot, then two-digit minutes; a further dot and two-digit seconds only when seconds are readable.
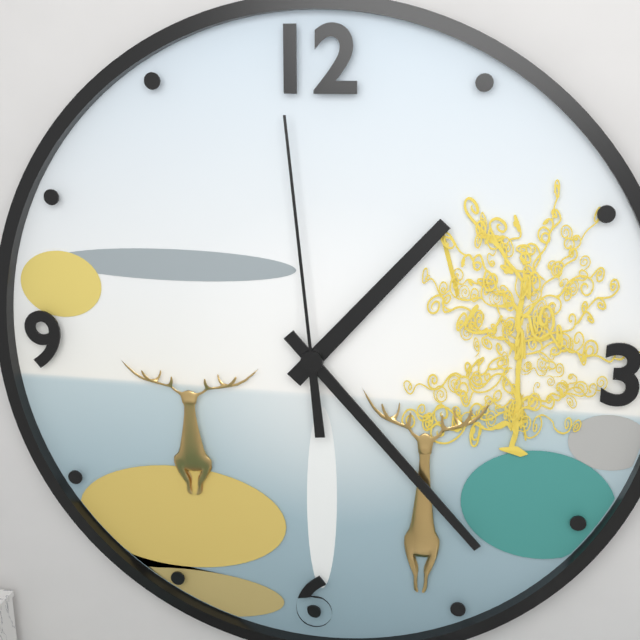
1.23.59
